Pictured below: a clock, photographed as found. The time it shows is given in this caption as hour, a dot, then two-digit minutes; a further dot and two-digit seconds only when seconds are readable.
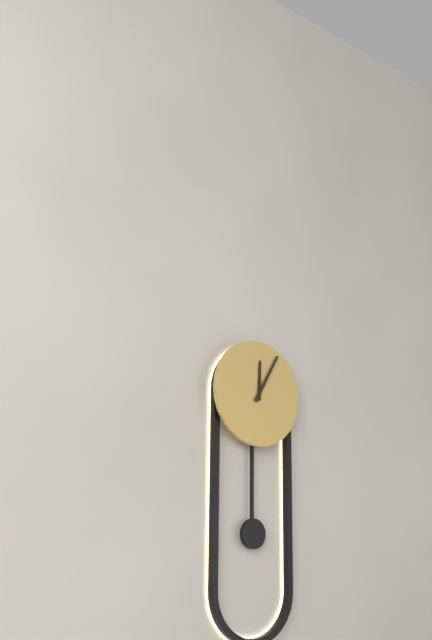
12.05
